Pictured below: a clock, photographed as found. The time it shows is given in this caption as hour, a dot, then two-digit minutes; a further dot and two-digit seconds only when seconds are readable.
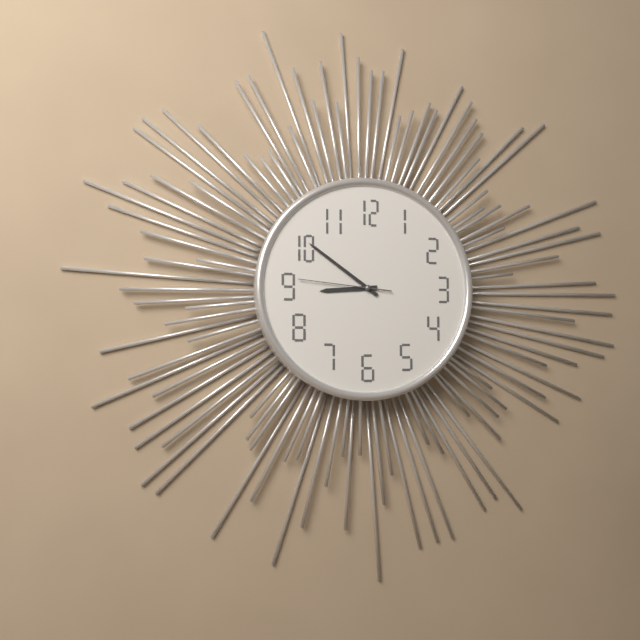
8.51.46
